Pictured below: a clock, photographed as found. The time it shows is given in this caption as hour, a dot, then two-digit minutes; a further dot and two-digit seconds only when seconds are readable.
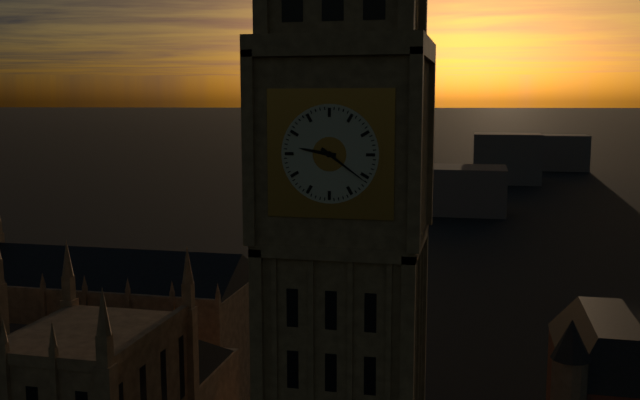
9.21
